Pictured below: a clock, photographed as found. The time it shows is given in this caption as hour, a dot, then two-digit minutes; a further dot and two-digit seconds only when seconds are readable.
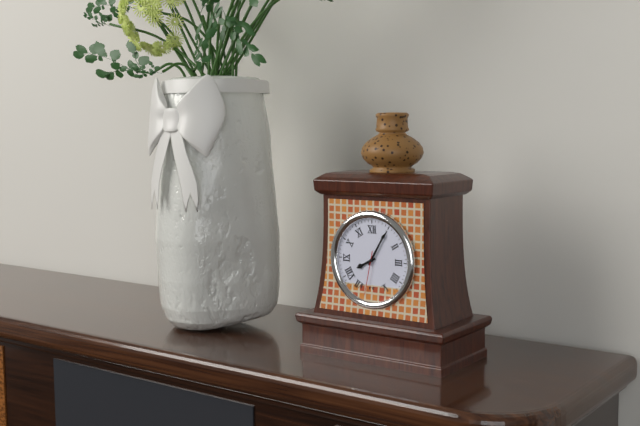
8.05
